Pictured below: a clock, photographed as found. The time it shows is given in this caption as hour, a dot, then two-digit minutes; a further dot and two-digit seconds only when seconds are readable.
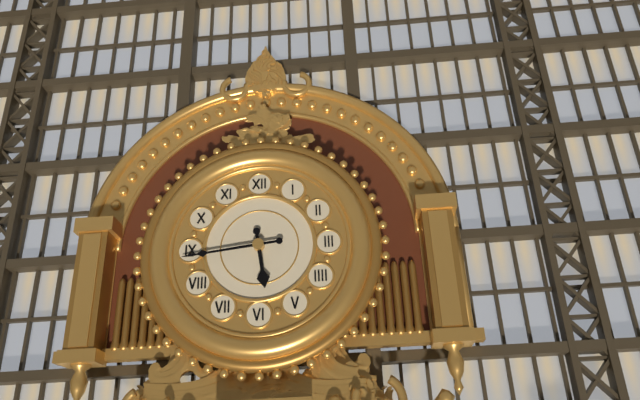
5.44
